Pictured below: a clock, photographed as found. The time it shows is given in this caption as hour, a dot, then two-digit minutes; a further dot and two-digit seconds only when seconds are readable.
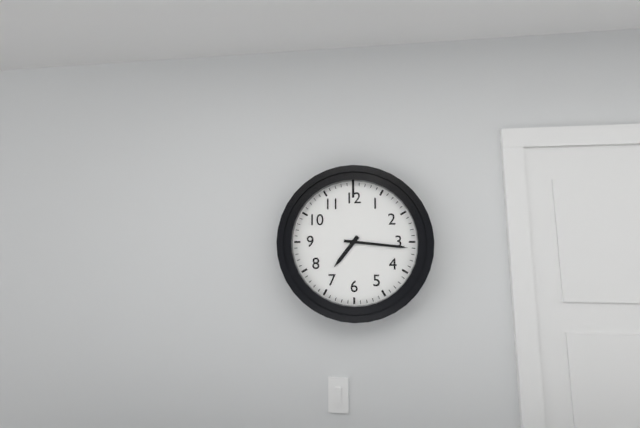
7.16
